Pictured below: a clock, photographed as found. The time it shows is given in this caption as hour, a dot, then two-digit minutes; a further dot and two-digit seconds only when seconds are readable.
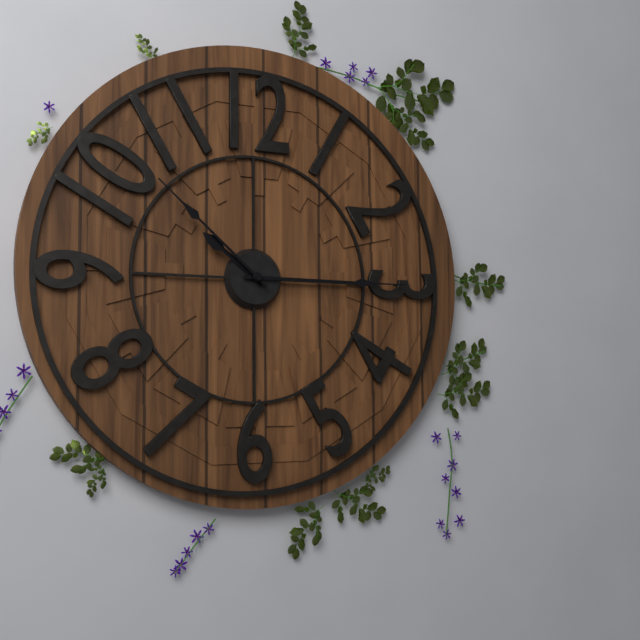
10.15.52
